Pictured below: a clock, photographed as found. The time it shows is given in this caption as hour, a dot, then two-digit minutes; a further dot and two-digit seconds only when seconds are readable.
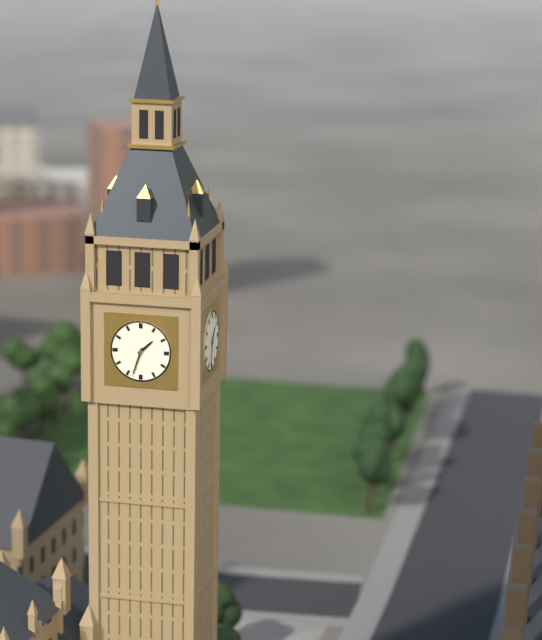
1.33
